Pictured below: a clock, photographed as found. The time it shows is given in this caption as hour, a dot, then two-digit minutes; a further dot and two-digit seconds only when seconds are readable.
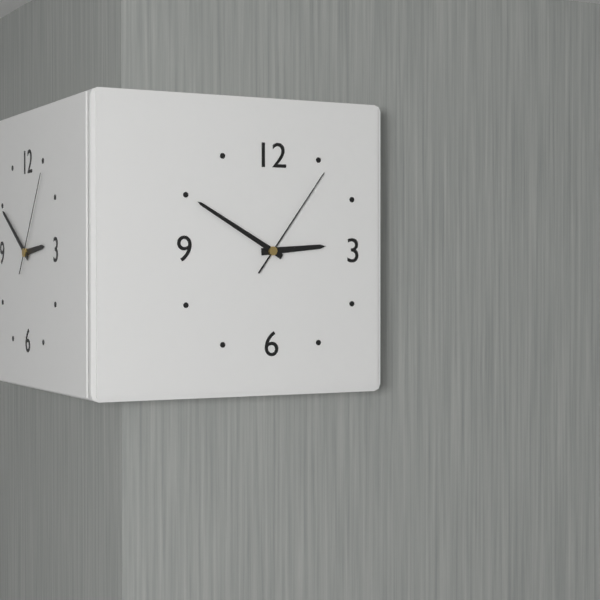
2.50.06
